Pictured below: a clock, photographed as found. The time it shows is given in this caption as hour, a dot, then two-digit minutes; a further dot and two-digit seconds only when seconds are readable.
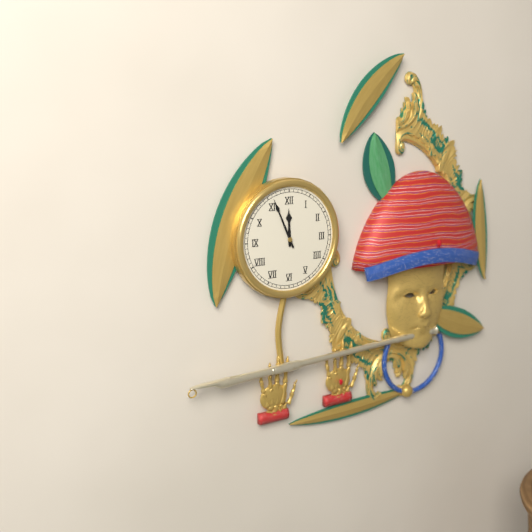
11.56
